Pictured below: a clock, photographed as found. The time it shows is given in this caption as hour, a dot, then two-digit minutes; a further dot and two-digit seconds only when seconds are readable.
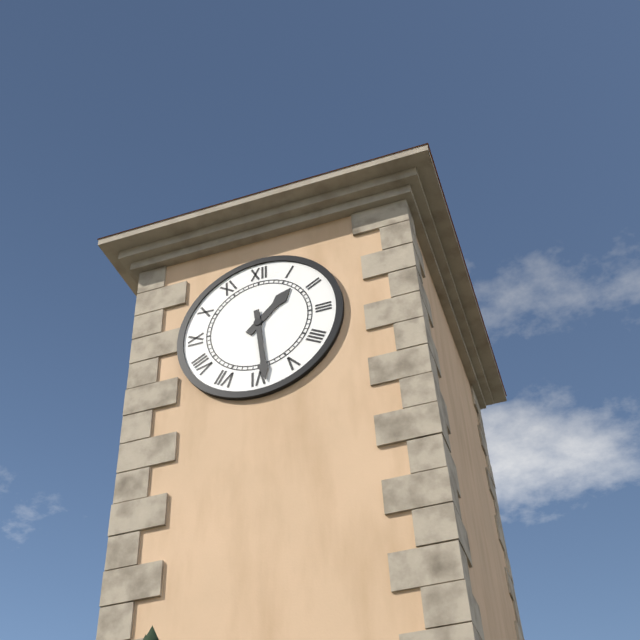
1.29
